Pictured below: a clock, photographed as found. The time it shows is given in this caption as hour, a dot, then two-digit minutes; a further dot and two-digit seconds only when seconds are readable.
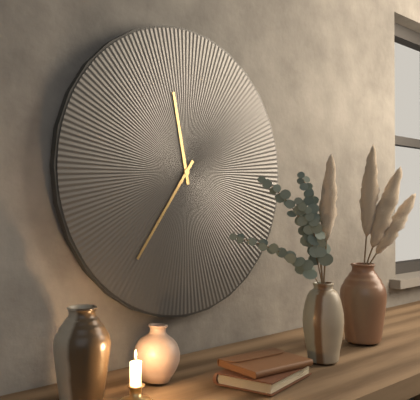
11.36
